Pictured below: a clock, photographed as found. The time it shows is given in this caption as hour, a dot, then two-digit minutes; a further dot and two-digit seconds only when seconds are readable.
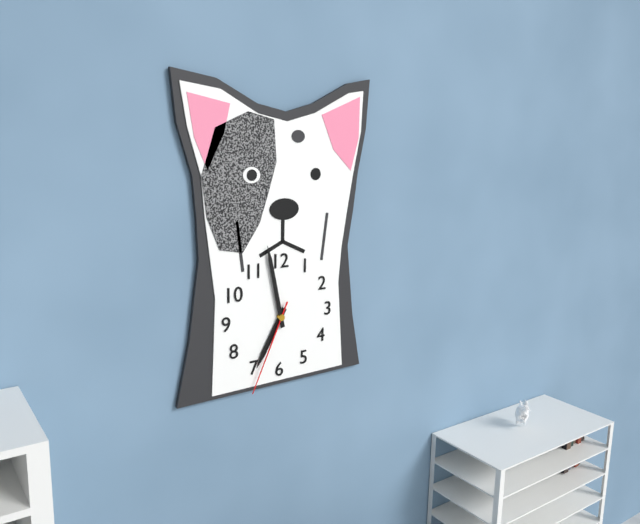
6.58.34
